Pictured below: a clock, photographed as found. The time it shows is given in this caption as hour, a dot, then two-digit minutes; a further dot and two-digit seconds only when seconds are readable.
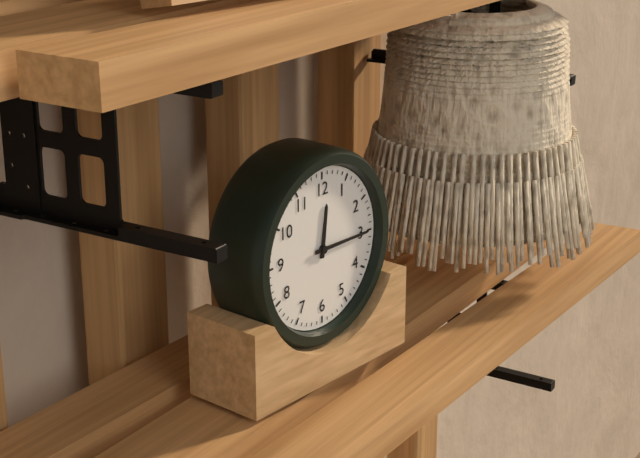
12.15
